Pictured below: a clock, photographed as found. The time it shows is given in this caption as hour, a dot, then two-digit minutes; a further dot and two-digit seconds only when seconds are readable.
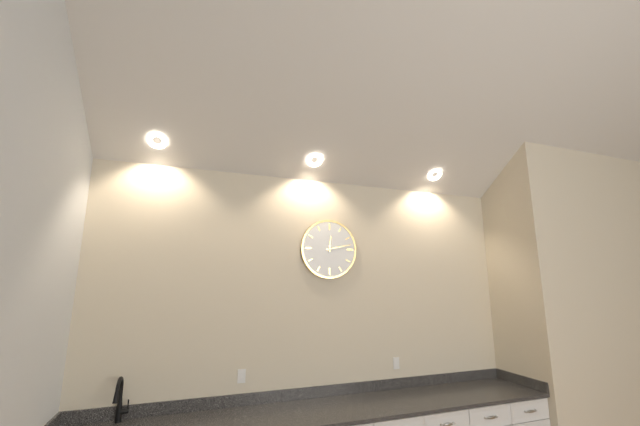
12.13
